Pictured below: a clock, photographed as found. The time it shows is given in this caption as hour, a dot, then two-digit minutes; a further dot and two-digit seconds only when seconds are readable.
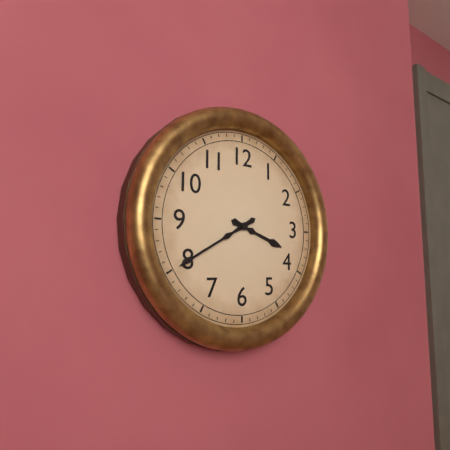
3.40
